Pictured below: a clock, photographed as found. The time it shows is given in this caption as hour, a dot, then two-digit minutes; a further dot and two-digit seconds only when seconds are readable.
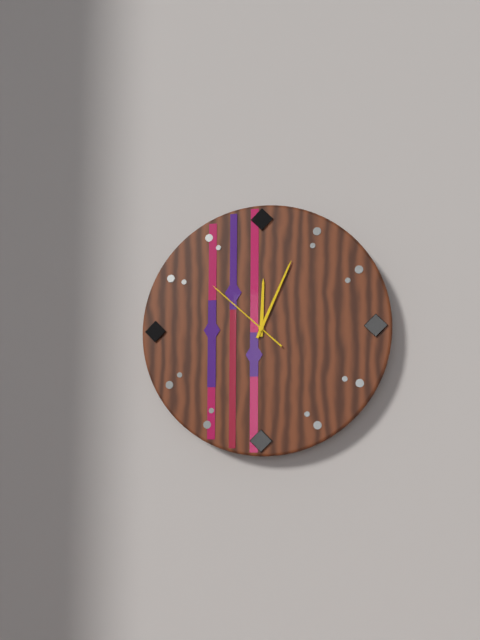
12.04.52
